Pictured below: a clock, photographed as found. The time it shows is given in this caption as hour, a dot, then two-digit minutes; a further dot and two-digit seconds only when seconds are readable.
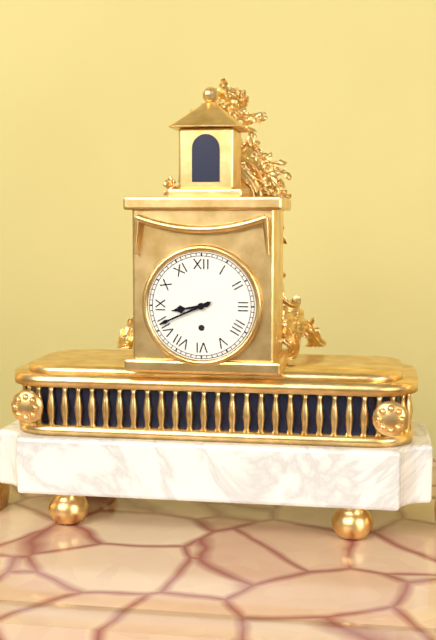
8.41
